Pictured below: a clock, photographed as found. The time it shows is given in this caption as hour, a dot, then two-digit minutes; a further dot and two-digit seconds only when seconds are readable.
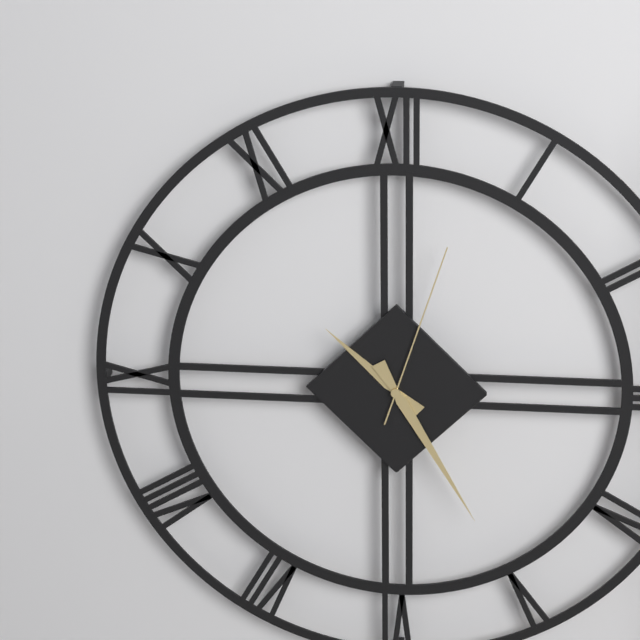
10.25.03
